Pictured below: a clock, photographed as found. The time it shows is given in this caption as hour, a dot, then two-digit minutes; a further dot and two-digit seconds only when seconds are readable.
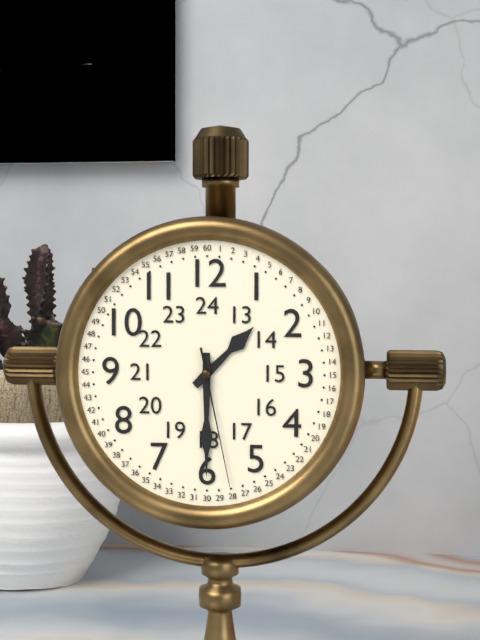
1.30.28
